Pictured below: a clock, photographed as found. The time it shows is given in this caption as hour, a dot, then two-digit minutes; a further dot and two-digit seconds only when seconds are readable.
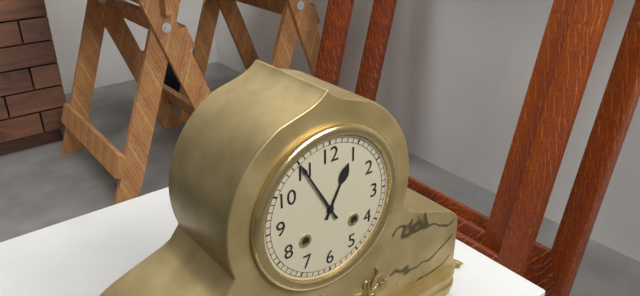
12.55
